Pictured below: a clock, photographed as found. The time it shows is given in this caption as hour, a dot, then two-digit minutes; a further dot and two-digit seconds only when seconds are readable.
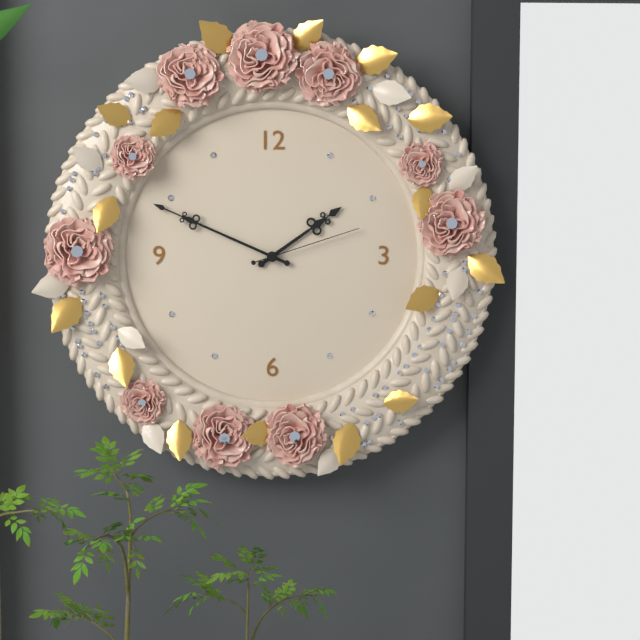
1.49.12
